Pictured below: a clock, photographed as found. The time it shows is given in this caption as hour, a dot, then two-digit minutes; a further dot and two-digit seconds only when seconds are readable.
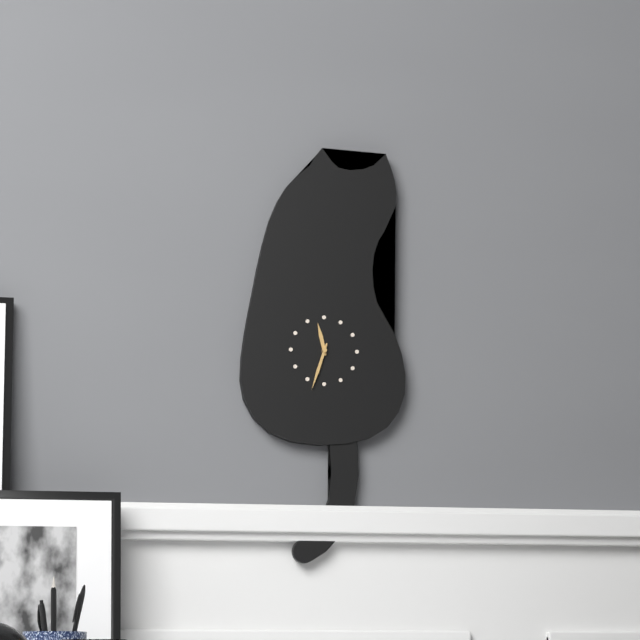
11.33
